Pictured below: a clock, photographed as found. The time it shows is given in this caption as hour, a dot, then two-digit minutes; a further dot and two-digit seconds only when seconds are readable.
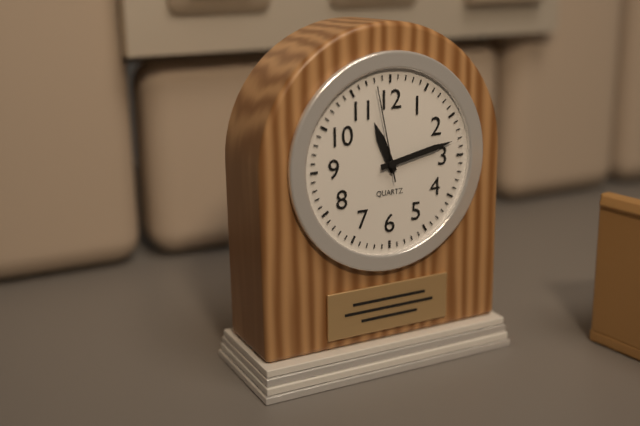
11.13.58
